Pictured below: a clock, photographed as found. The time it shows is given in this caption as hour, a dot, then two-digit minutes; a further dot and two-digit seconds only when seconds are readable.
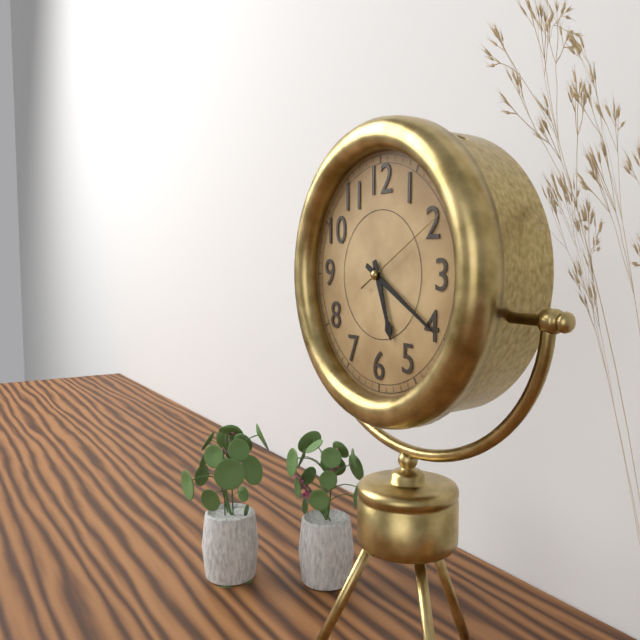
5.20.10
